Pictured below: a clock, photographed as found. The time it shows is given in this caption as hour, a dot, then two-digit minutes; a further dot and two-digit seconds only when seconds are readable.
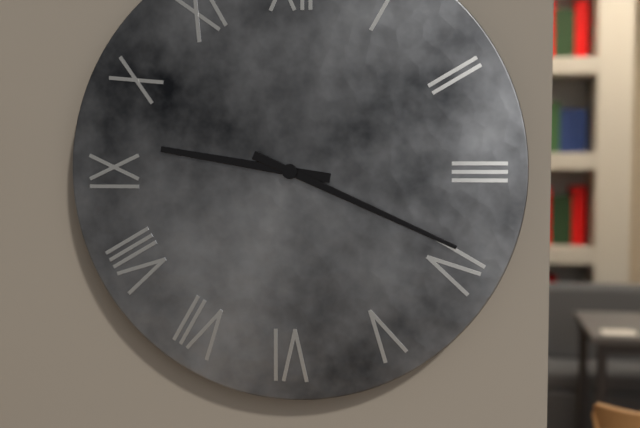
9.19
